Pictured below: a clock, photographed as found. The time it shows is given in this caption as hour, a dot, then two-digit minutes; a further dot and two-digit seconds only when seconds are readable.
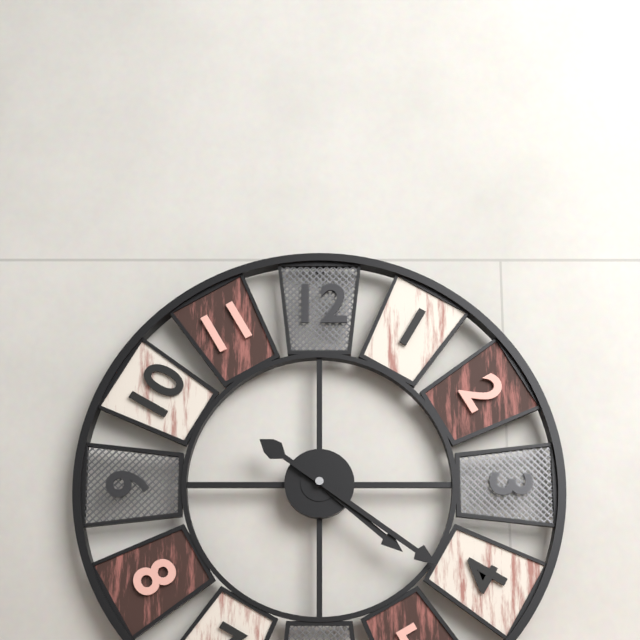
4.21
